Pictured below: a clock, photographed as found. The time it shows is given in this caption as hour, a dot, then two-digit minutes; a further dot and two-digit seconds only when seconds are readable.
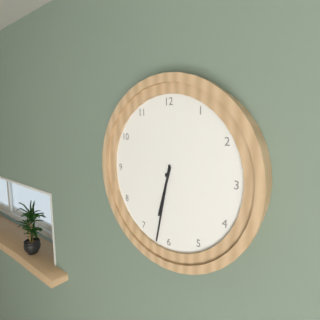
6.32
